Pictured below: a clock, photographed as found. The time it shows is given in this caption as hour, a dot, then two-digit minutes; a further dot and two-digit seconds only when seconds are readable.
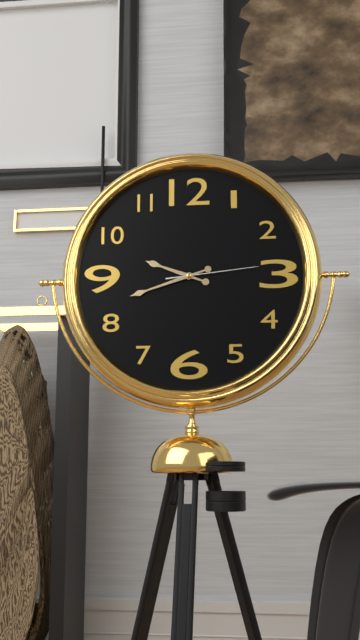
9.42.14
